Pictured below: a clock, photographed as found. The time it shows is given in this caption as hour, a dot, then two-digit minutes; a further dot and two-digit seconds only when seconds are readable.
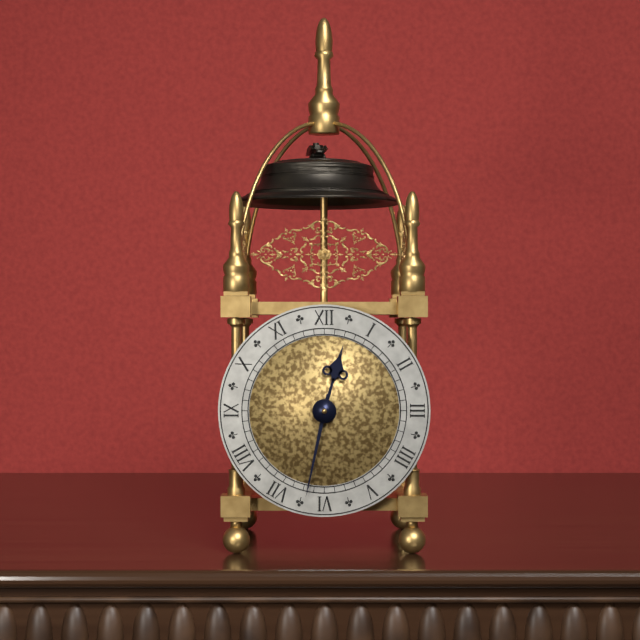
12.32
